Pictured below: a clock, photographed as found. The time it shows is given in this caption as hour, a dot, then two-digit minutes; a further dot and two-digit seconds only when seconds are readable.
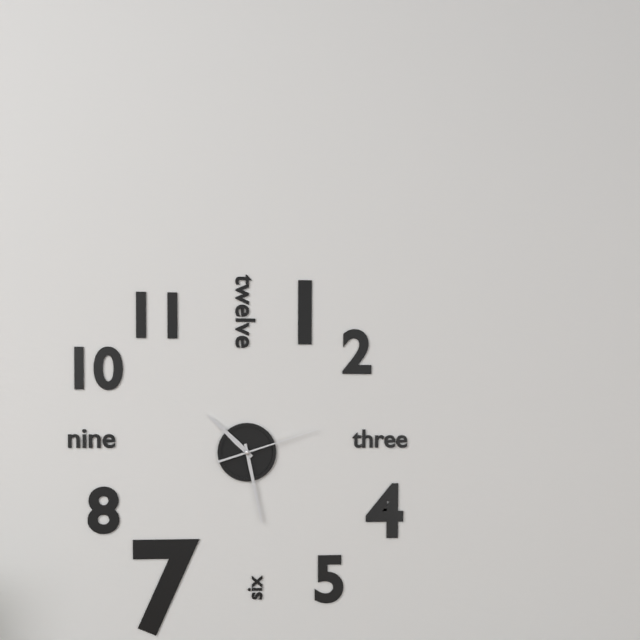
10.28.12
